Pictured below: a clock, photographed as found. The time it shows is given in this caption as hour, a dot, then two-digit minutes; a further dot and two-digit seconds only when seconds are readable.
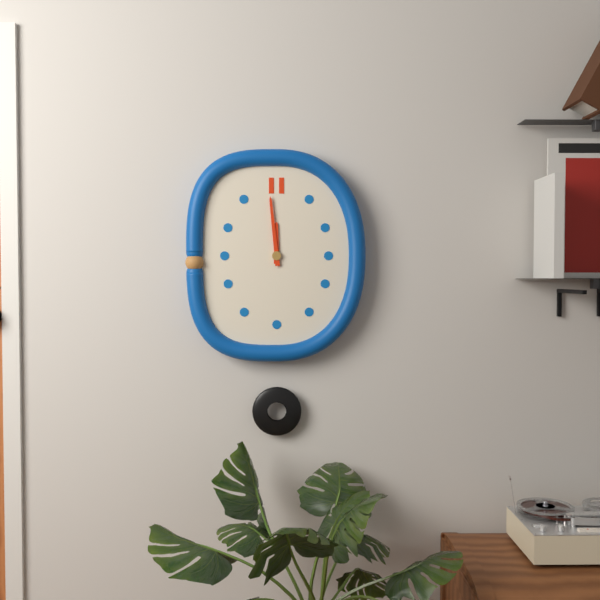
11.59
